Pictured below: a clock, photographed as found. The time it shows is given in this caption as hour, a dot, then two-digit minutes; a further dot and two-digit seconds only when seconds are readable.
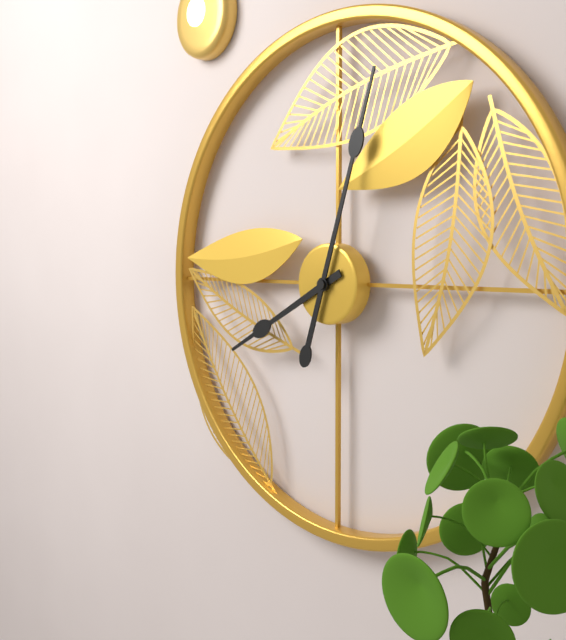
8.03
